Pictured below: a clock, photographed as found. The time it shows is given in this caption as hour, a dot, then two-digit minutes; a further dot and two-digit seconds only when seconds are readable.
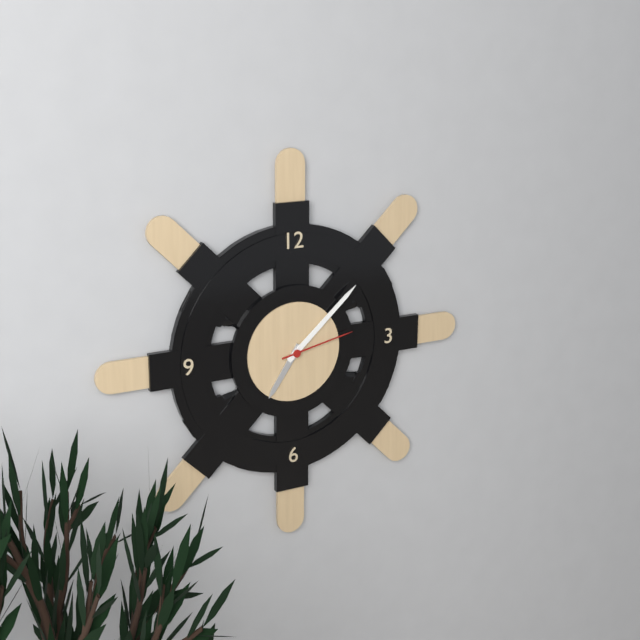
7.08.13
